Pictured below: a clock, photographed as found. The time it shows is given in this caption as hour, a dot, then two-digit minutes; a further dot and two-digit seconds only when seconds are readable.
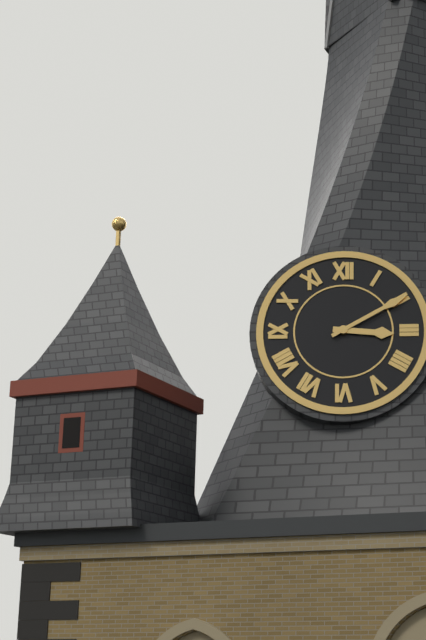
3.10
